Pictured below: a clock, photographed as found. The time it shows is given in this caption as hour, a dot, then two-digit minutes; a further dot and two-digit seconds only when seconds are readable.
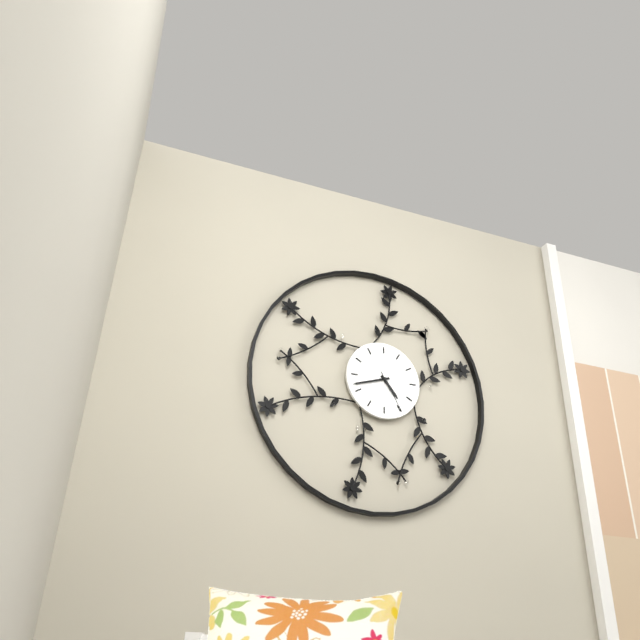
4.42
